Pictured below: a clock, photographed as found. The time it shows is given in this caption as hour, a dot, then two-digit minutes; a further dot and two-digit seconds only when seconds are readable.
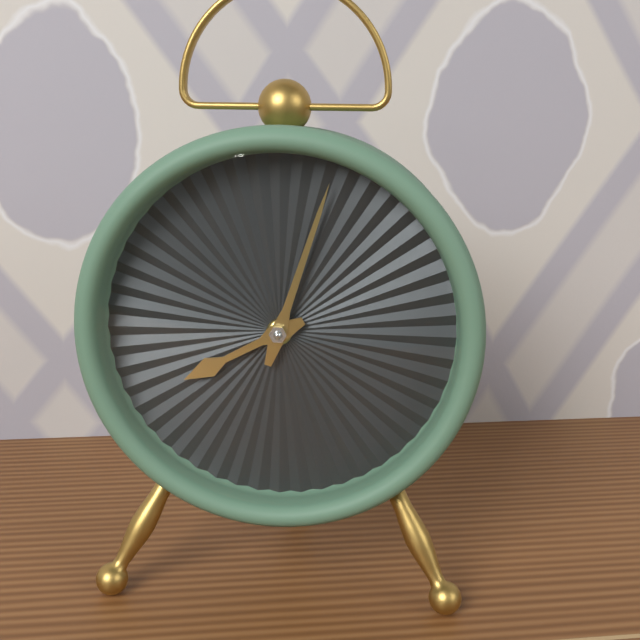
8.03
